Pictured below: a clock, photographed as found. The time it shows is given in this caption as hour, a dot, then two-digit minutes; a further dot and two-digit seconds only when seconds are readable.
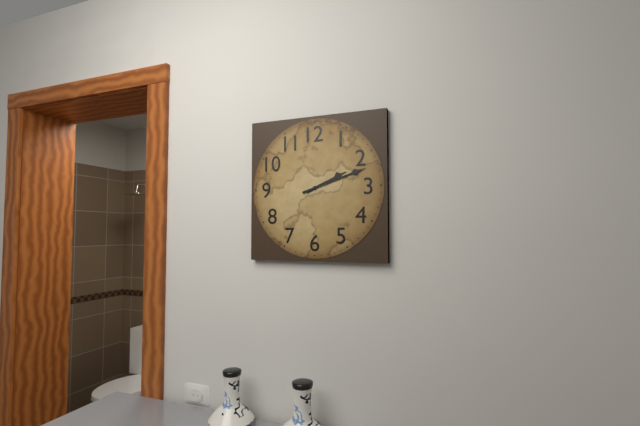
2.12
